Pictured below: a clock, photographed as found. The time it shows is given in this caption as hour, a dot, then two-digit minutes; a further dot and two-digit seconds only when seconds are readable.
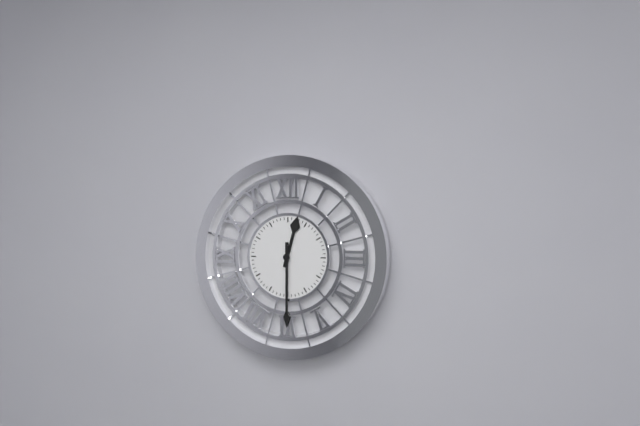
12.30
